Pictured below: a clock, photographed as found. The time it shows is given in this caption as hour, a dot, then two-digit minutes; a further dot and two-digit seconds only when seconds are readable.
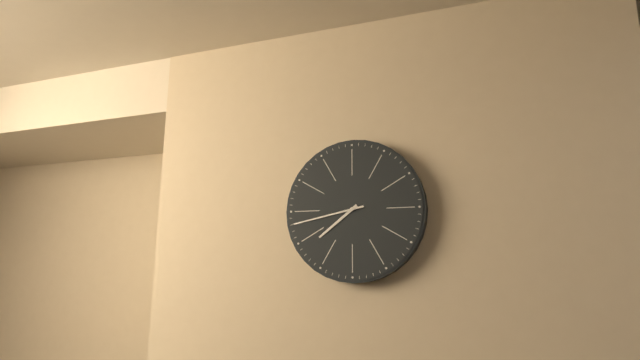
7.43
